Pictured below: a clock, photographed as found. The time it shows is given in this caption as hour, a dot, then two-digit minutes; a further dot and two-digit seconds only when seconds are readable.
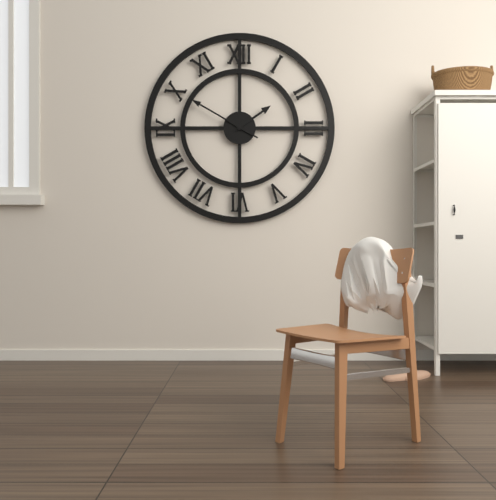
1.50
